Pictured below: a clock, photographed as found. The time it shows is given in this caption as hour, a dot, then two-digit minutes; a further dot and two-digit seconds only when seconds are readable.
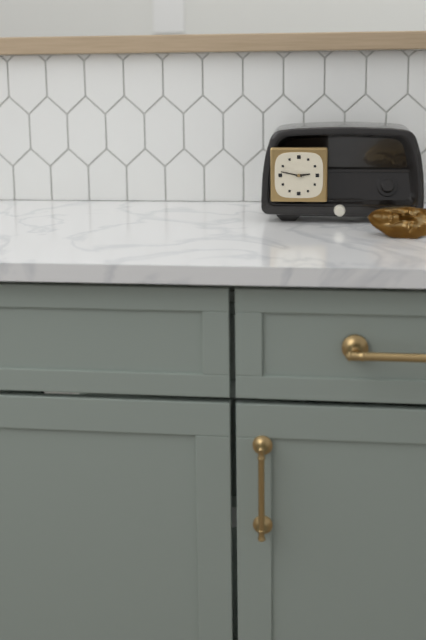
2.47
